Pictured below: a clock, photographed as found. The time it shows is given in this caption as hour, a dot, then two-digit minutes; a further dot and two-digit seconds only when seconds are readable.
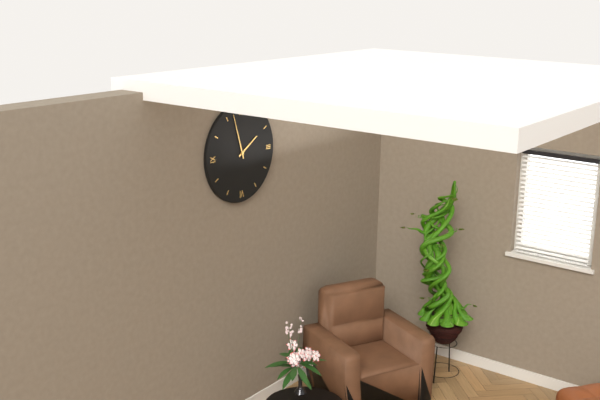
1.57
